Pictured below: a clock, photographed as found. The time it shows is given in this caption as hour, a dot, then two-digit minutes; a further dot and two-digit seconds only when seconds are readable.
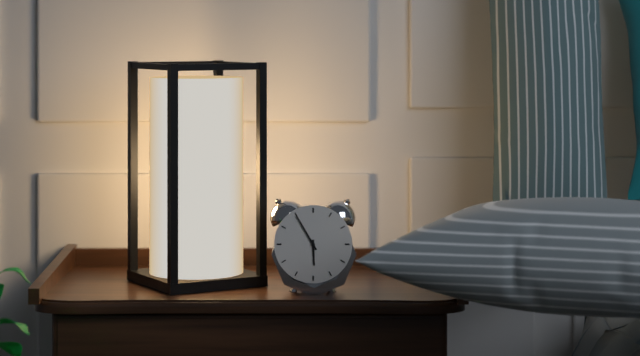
5.55
